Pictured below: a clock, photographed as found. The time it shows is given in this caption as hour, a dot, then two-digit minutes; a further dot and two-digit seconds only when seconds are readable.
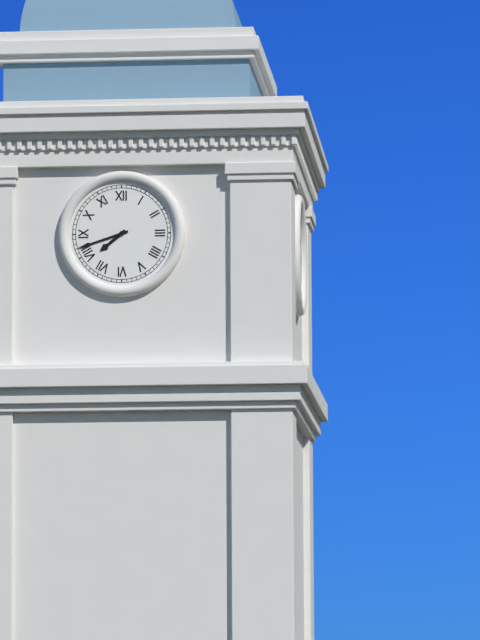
7.42
